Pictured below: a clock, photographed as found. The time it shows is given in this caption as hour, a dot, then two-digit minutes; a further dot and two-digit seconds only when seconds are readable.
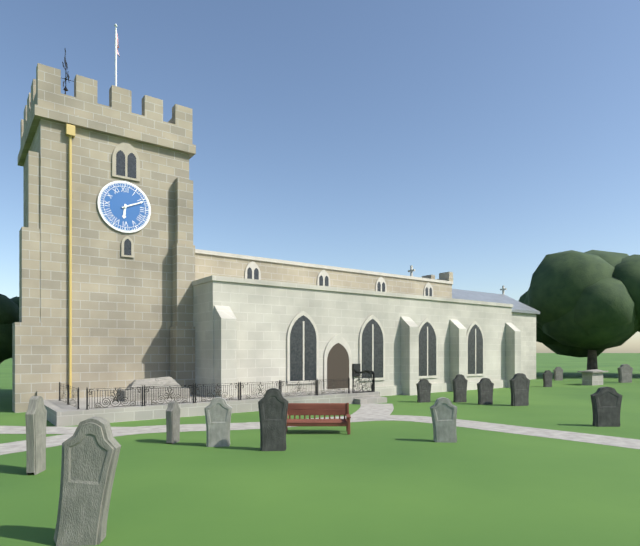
6.11
